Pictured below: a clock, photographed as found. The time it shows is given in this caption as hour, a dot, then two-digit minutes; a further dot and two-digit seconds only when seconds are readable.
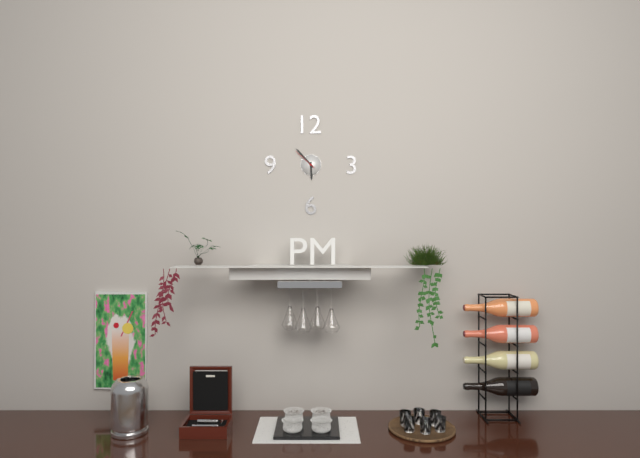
5.53
